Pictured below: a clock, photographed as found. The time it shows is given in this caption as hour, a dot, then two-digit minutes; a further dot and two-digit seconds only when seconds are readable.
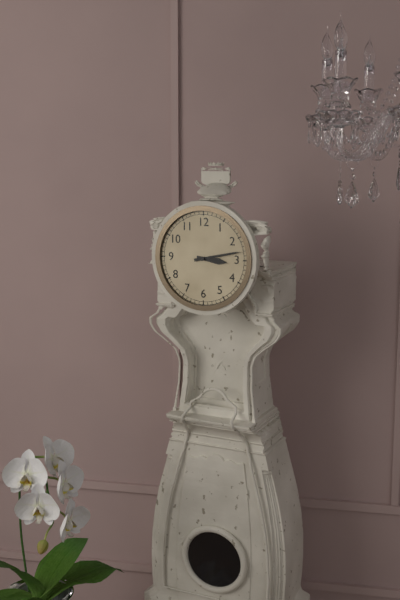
3.13
